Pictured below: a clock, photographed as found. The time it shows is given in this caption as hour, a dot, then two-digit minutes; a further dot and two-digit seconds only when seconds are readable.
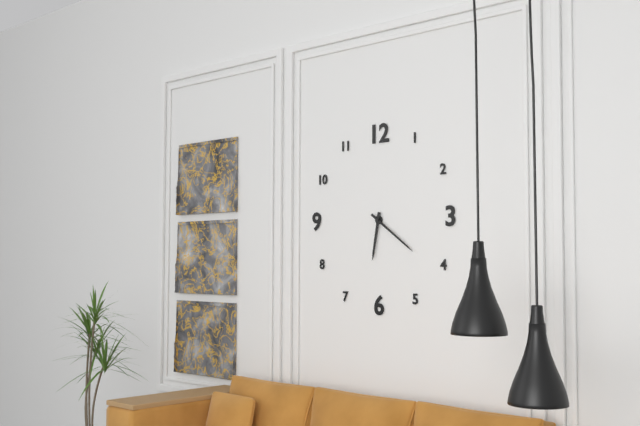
6.21
